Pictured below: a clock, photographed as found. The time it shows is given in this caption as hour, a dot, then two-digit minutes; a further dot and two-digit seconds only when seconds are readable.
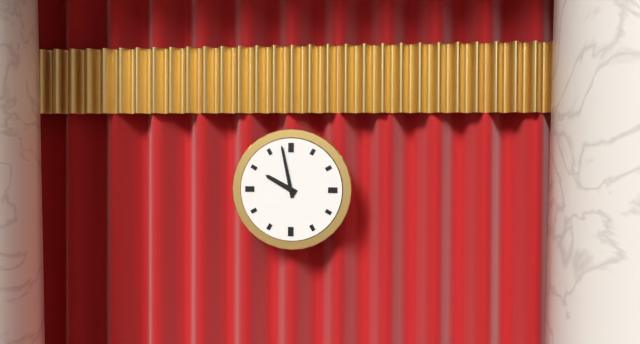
9.58
